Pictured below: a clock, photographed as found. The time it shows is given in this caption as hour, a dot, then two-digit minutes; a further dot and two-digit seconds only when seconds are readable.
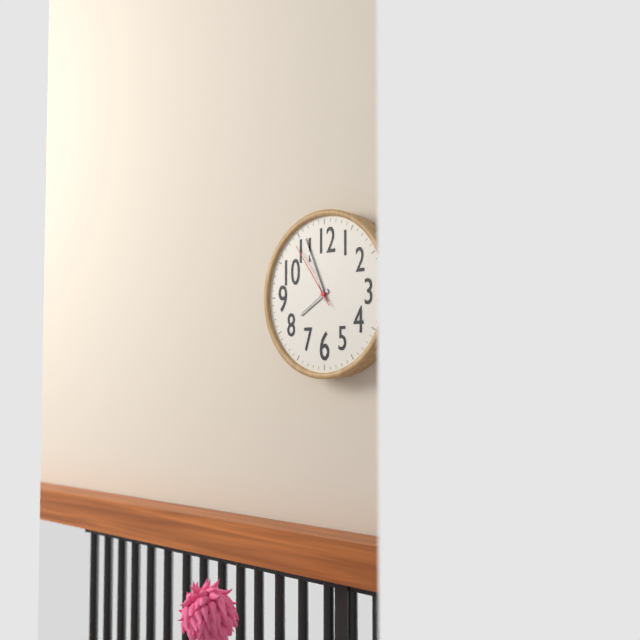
7.56.54
